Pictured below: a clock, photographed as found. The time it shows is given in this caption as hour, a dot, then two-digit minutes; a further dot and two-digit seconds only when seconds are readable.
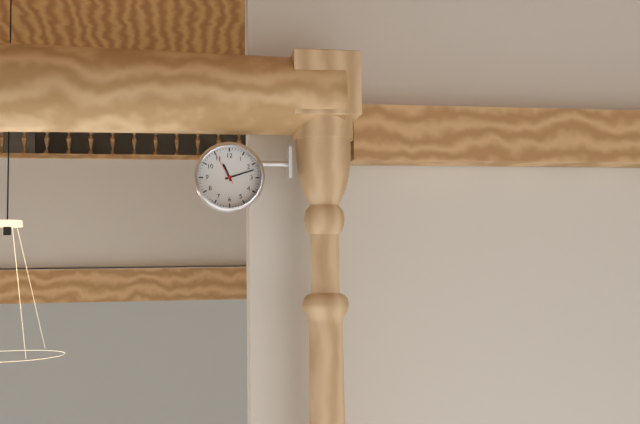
11.12
